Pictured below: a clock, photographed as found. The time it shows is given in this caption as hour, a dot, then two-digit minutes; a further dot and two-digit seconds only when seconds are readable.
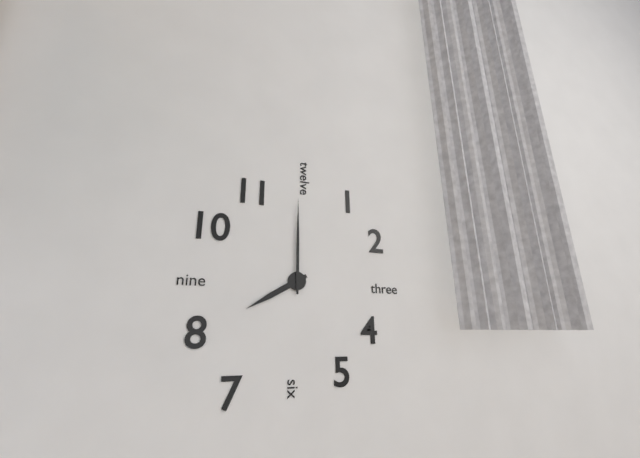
8.00
